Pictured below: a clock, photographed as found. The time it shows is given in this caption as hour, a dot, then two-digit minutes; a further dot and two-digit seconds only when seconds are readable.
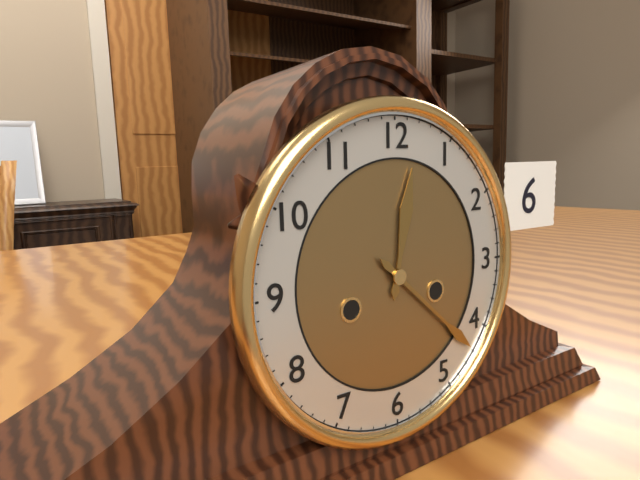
12.22
